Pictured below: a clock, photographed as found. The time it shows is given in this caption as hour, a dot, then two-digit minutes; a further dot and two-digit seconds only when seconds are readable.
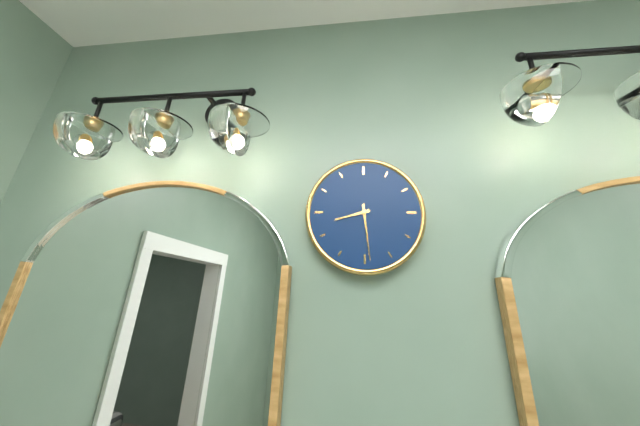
8.29
